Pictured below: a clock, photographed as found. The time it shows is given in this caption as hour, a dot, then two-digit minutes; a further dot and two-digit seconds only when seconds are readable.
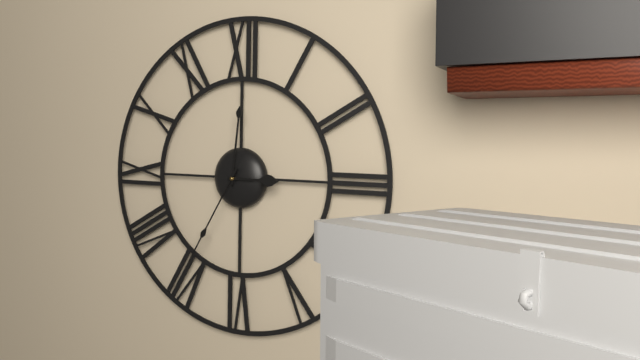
3.01.35
